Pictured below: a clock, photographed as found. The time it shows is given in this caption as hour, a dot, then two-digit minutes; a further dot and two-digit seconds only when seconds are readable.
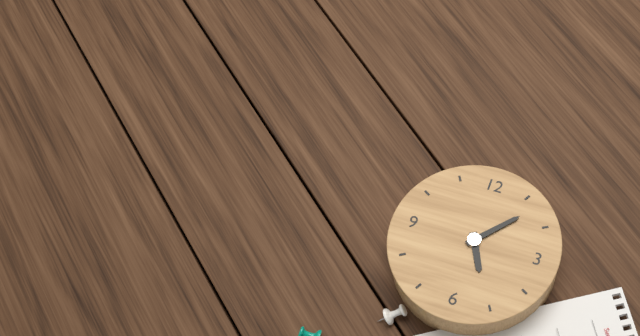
5.07
